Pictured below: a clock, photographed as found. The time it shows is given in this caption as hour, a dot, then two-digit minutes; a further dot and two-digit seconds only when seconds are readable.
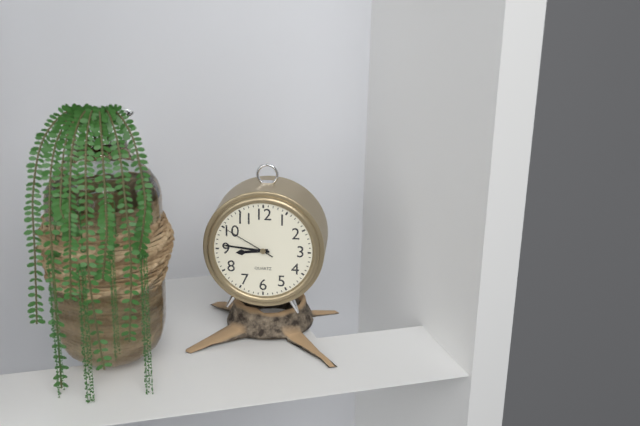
8.46.50
